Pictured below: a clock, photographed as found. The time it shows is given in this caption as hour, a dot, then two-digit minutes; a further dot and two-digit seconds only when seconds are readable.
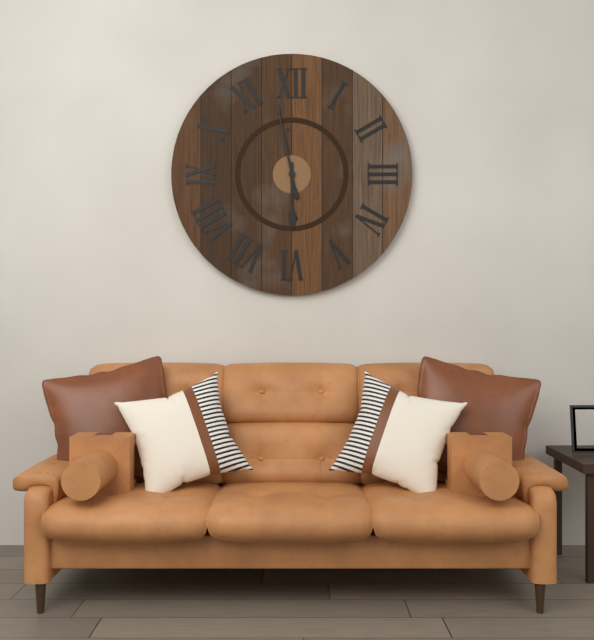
5.58
